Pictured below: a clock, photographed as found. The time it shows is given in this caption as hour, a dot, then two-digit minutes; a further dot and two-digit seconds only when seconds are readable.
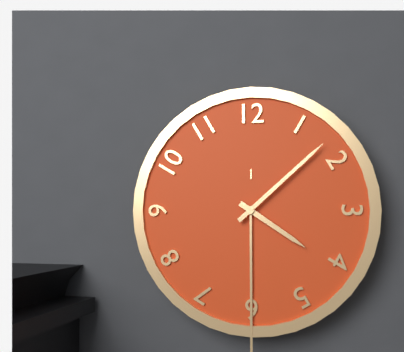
4.08
